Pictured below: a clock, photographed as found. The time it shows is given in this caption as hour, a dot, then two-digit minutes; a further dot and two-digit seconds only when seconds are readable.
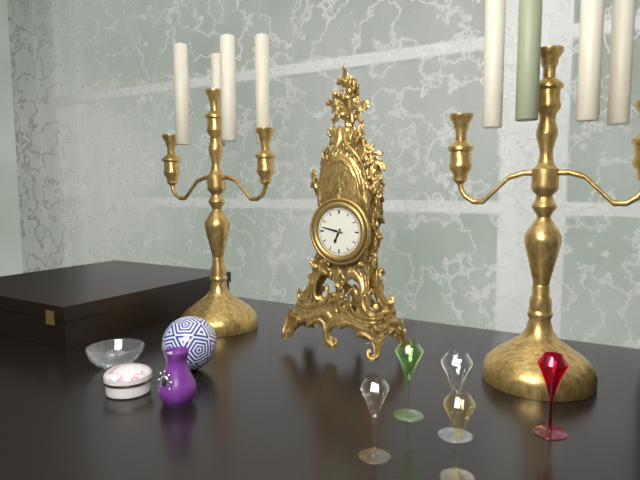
6.47
